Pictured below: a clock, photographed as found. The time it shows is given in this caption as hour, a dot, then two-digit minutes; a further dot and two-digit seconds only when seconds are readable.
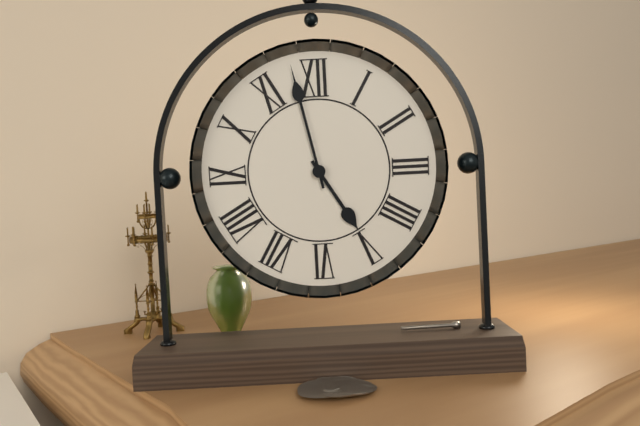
4.58
